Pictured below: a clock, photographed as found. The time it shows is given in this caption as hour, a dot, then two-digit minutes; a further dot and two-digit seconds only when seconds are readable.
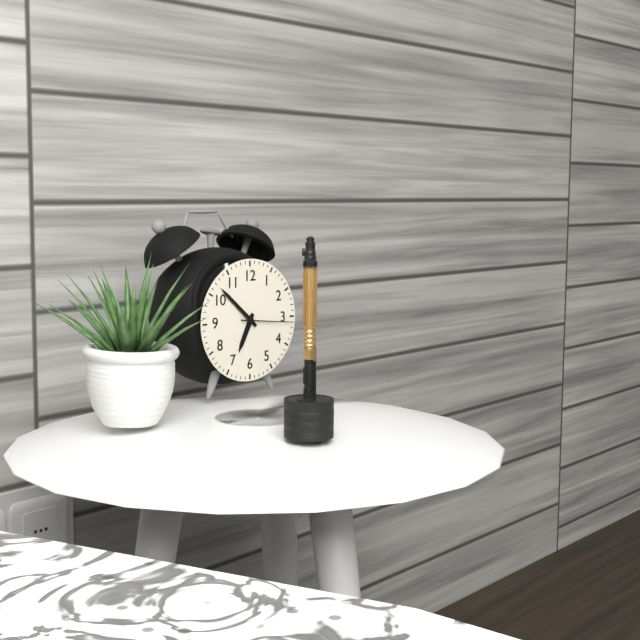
6.52.16
